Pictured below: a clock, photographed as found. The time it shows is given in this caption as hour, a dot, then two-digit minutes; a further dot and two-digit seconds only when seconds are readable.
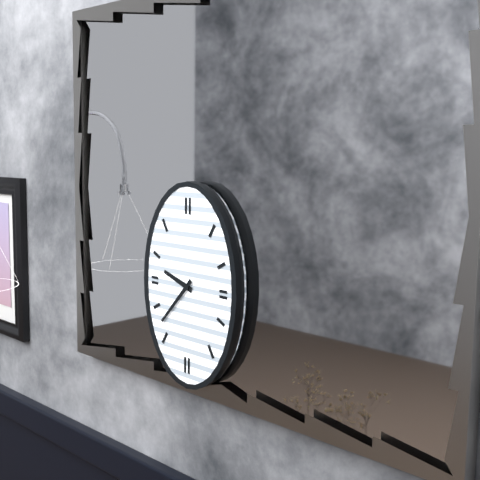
9.37
